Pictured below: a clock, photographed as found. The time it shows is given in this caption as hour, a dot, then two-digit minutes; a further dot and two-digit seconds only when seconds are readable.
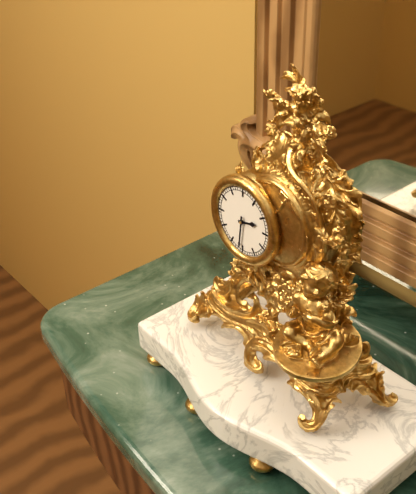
2.31
